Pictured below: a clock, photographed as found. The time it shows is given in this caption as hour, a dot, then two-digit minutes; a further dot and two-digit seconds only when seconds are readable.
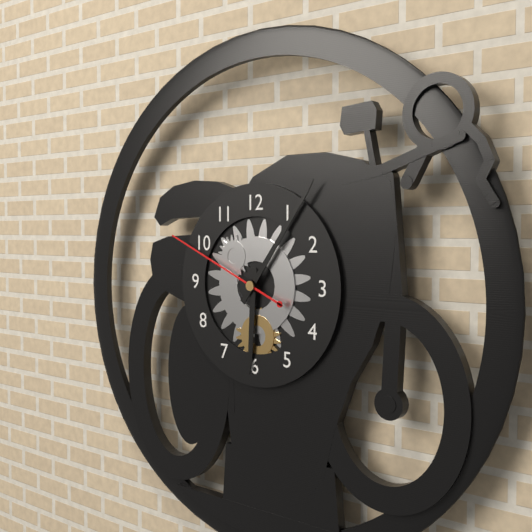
6.06.49
